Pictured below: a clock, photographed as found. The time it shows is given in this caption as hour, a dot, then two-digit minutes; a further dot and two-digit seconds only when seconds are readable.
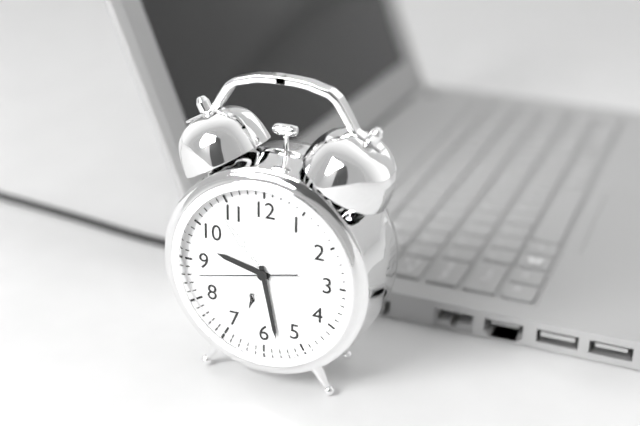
9.28.43
